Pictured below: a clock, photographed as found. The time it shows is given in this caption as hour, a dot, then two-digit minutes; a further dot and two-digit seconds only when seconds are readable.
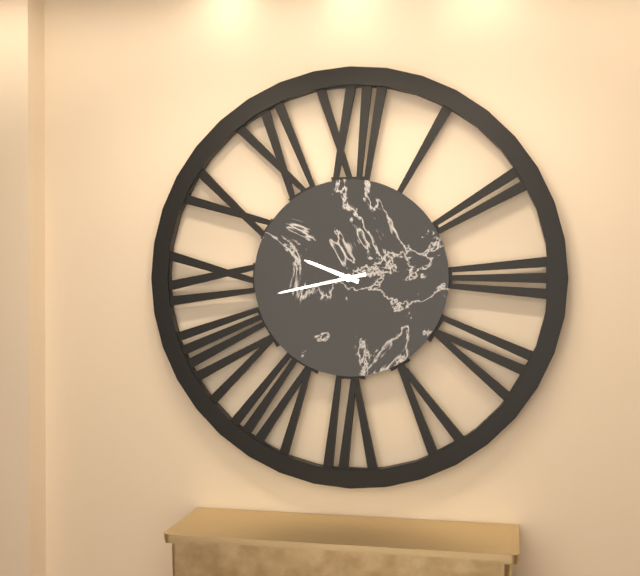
9.43
